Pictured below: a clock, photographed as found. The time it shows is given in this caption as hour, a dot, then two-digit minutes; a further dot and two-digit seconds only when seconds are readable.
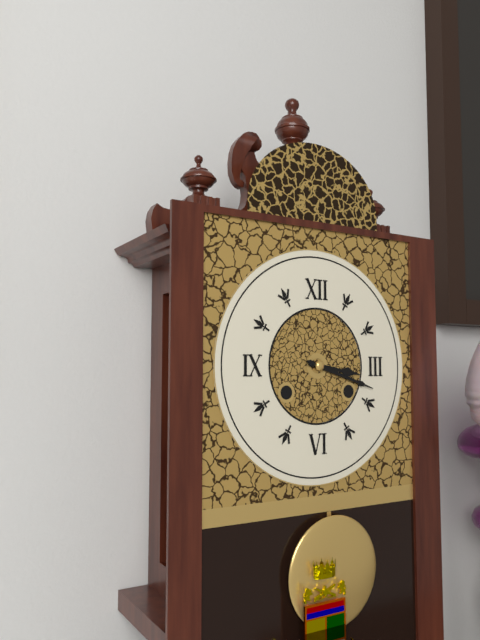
3.18
